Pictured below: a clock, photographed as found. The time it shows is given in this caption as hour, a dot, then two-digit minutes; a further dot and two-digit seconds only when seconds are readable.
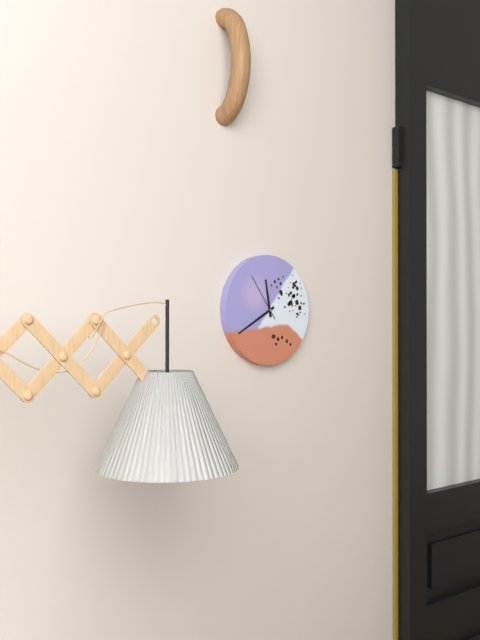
11.40
